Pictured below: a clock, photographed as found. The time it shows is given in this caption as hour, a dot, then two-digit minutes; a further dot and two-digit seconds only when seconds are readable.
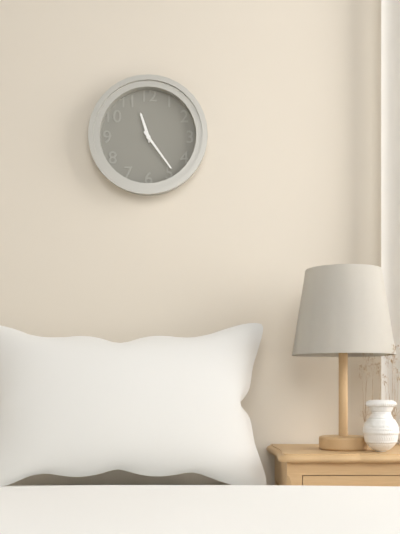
11.24
